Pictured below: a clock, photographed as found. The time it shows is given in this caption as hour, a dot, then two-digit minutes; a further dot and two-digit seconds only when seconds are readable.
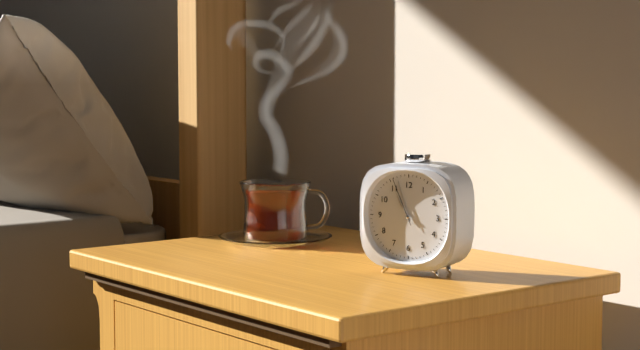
10.57.56
